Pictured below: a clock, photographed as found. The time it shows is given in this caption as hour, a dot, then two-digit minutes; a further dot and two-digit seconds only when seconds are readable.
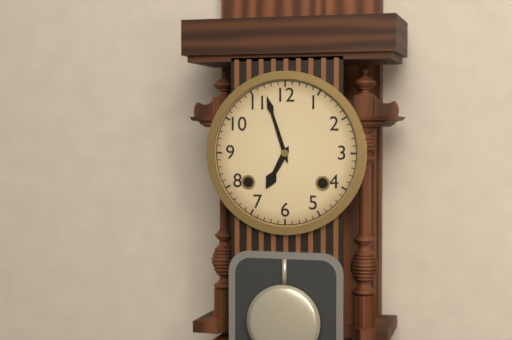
6.57
